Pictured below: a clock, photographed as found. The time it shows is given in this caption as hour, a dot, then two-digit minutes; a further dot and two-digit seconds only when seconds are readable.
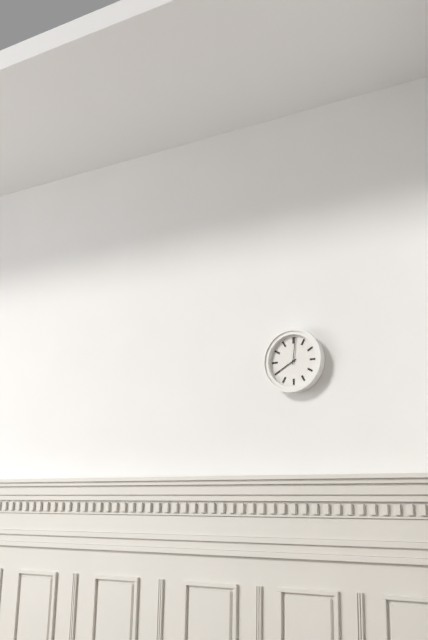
8.01
